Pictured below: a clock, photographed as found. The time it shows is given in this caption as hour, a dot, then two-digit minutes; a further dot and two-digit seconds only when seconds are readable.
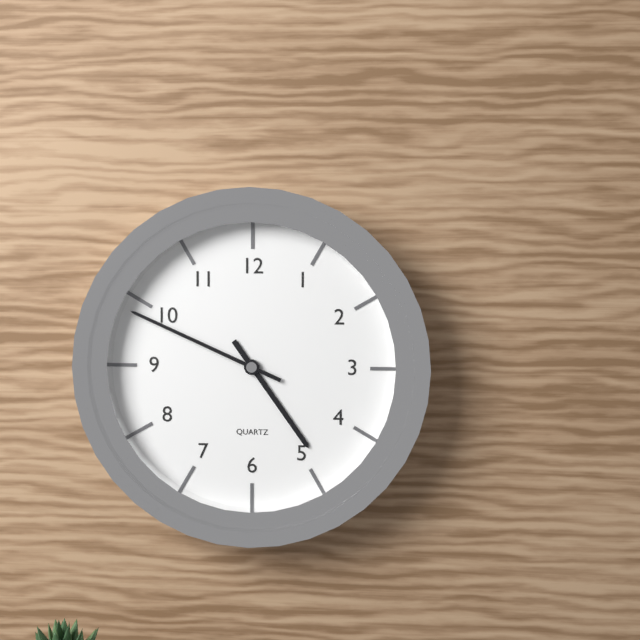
4.49
